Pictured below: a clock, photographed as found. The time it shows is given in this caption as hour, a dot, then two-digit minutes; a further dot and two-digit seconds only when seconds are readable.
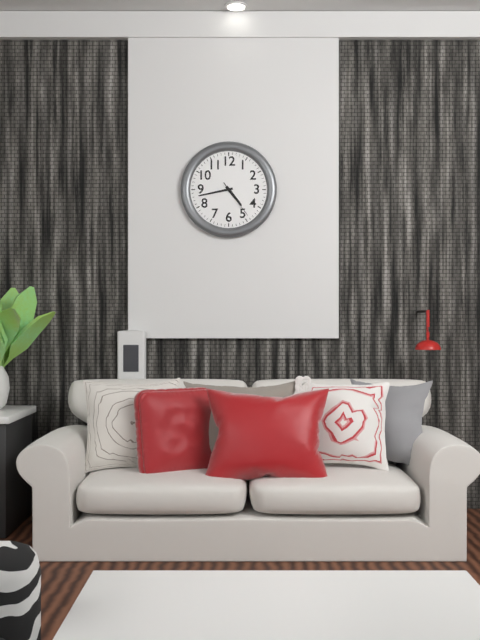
4.43
